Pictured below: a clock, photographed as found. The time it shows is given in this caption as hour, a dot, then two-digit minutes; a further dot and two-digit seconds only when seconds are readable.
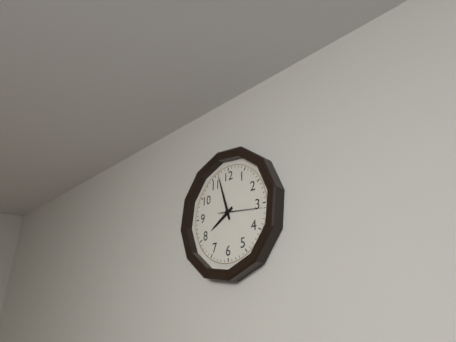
7.57
